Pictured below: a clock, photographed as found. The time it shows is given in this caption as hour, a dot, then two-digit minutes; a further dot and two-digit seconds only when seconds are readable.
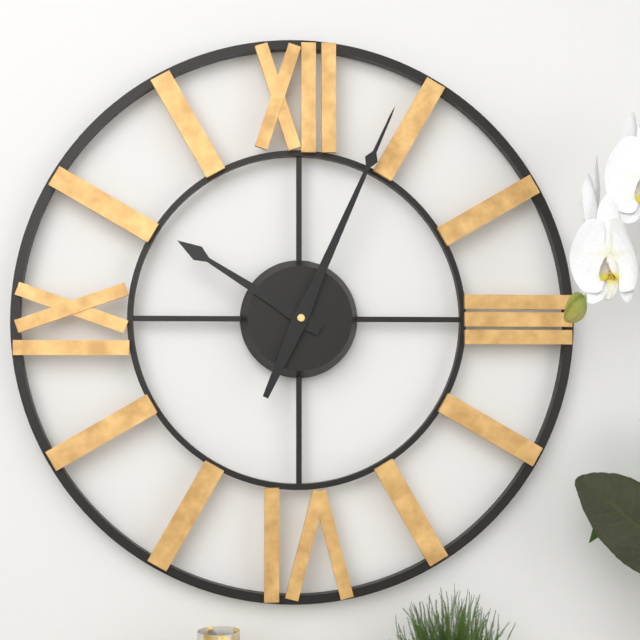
10.04
